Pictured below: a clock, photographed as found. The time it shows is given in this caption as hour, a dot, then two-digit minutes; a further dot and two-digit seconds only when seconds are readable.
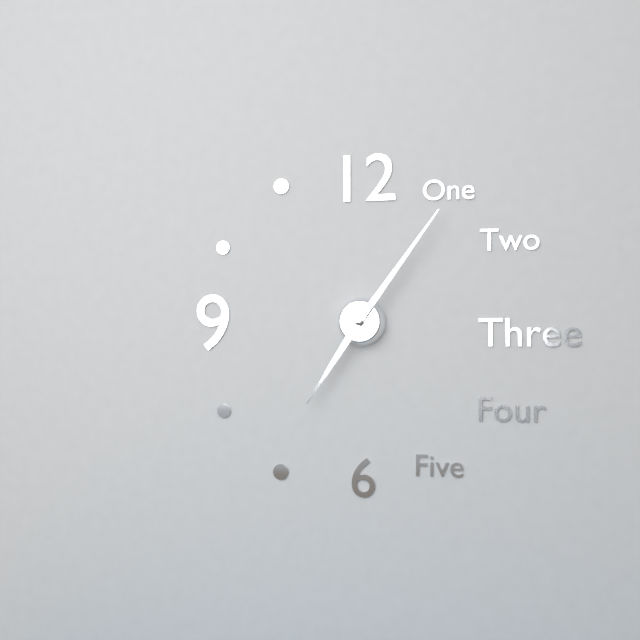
7.06
